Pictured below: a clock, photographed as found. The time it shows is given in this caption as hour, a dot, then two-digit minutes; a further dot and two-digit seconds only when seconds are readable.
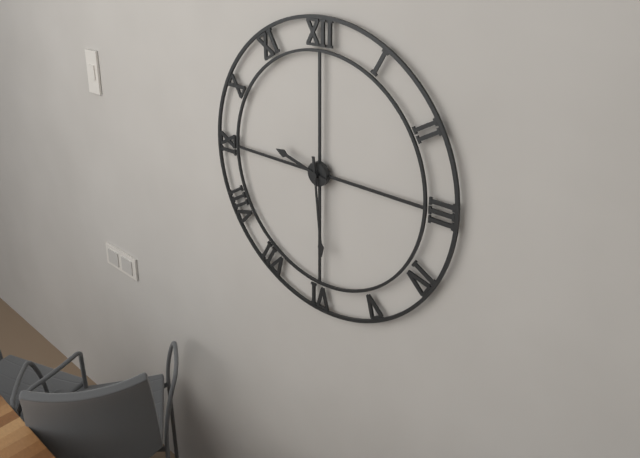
9.29
